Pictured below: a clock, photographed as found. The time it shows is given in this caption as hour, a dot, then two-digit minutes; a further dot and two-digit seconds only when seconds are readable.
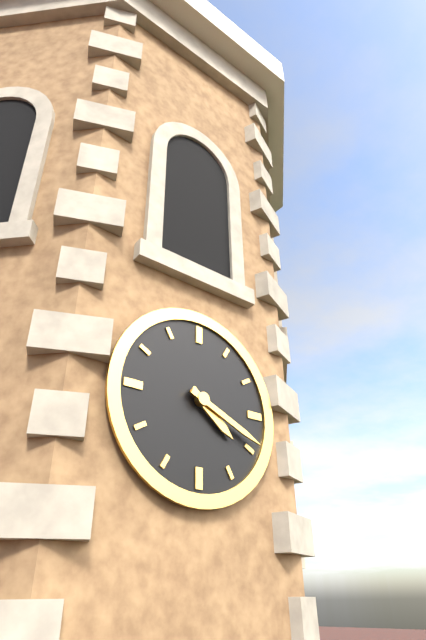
4.19
